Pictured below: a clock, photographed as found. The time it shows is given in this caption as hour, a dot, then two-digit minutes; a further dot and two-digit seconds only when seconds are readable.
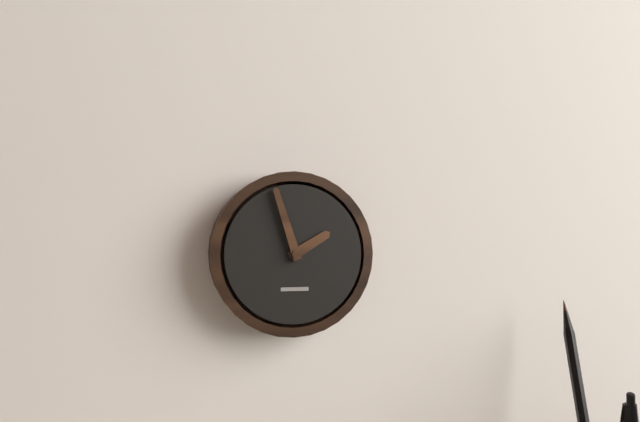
1.57
